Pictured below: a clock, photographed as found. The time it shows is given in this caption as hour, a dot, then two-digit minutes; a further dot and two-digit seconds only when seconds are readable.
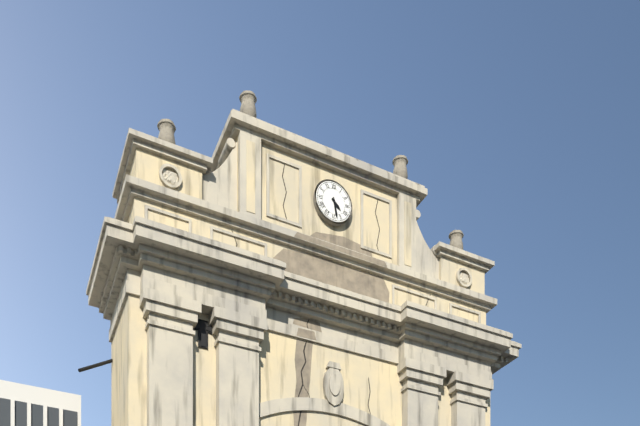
4.28
